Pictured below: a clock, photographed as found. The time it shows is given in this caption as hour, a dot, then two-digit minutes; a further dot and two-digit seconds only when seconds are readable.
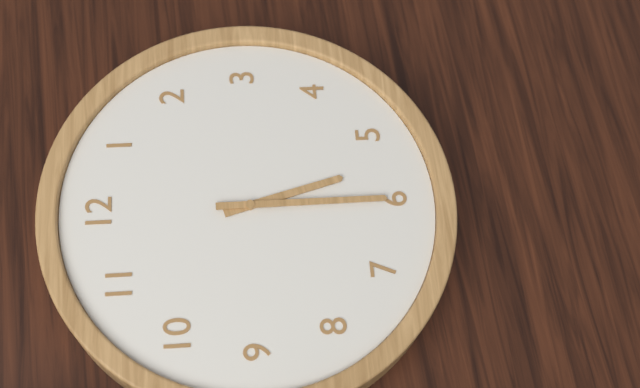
5.30
